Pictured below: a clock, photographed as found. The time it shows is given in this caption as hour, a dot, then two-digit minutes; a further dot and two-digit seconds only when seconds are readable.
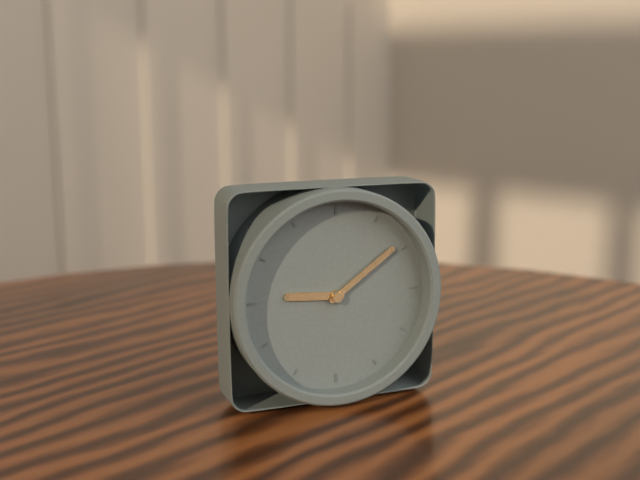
9.09
